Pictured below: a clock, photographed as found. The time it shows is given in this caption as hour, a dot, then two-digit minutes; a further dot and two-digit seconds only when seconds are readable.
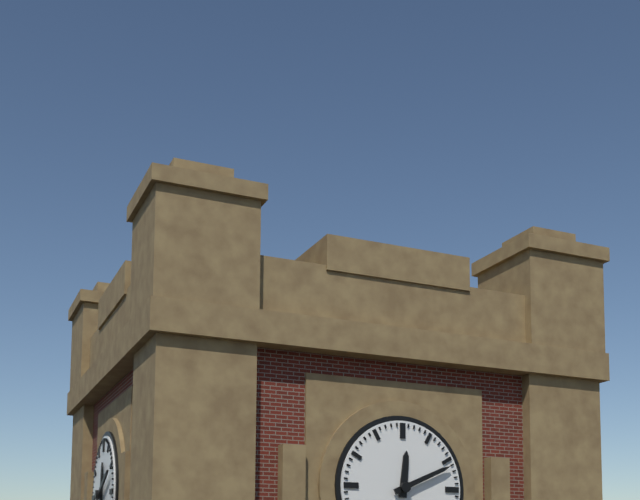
12.11
